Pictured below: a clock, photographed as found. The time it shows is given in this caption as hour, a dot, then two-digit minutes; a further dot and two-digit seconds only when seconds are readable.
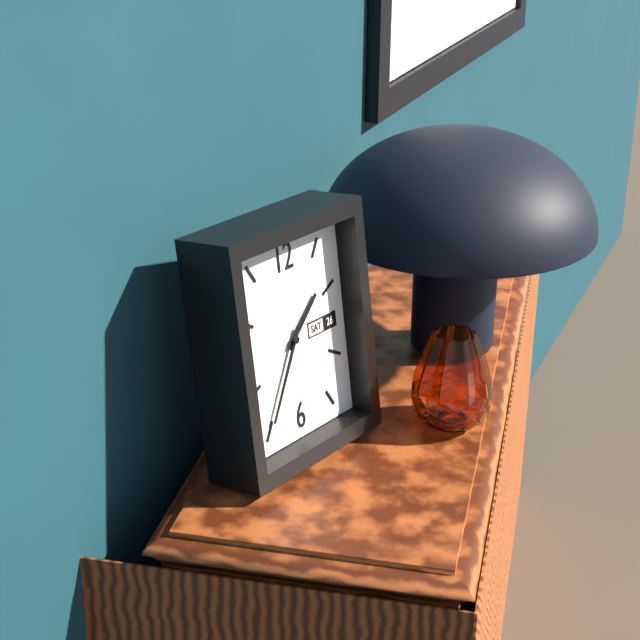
1.35
